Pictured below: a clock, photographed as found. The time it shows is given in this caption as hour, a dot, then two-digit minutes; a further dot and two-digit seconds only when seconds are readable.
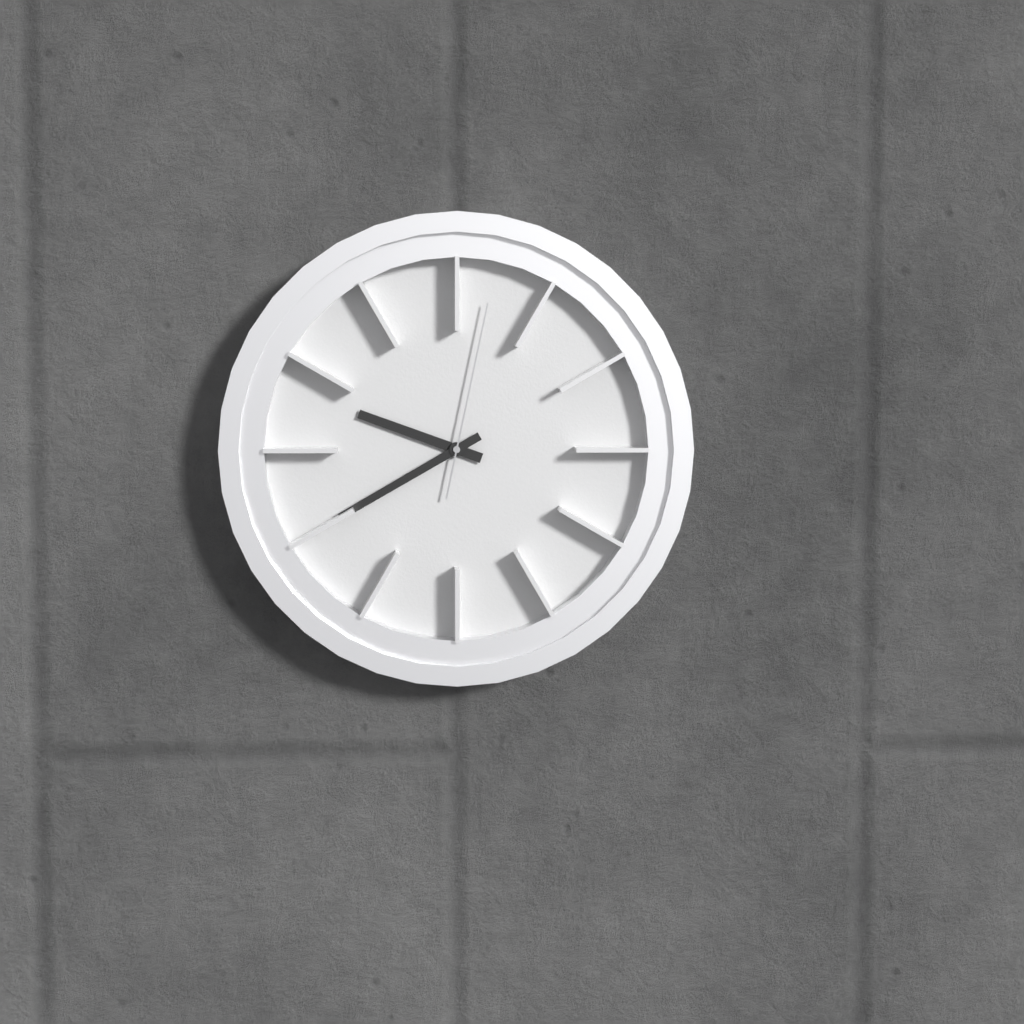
9.40.02
